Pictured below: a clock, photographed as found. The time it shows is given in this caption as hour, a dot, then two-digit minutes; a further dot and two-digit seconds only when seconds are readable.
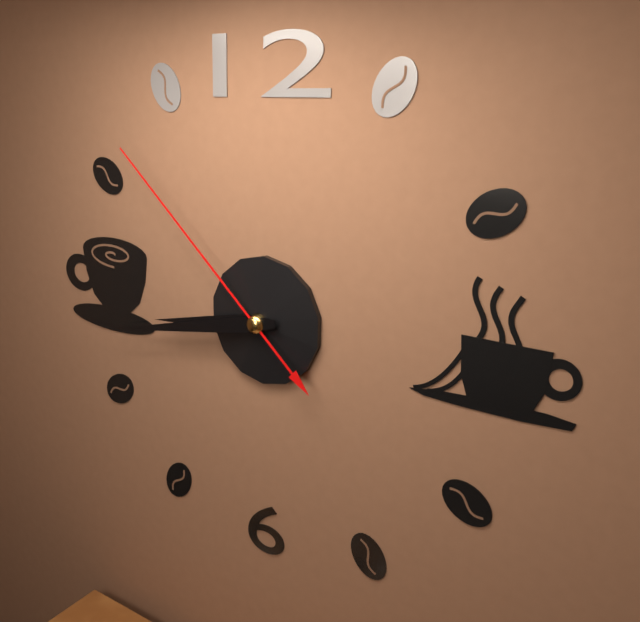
8.43.52
